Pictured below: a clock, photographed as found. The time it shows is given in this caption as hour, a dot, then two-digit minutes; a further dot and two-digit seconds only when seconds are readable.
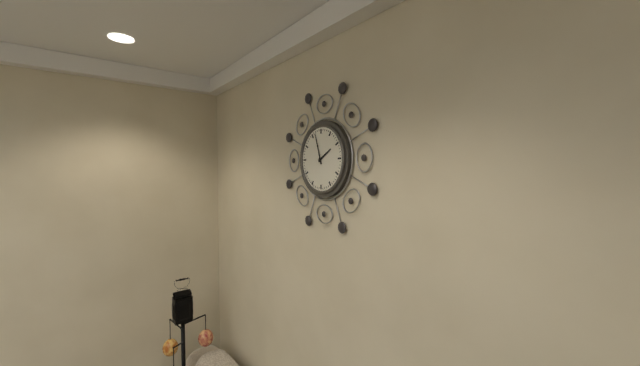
1.57
